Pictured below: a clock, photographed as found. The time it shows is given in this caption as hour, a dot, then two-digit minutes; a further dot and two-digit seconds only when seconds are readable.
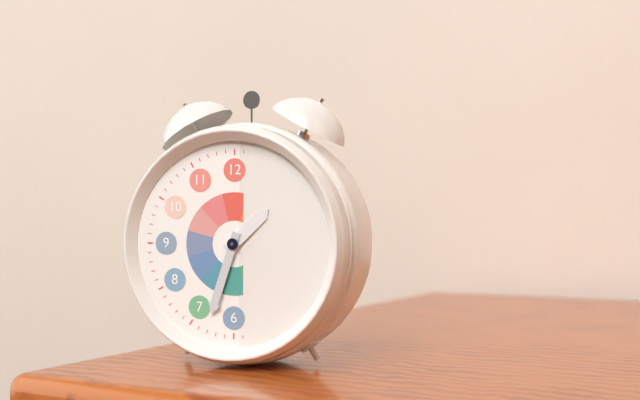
1.33
